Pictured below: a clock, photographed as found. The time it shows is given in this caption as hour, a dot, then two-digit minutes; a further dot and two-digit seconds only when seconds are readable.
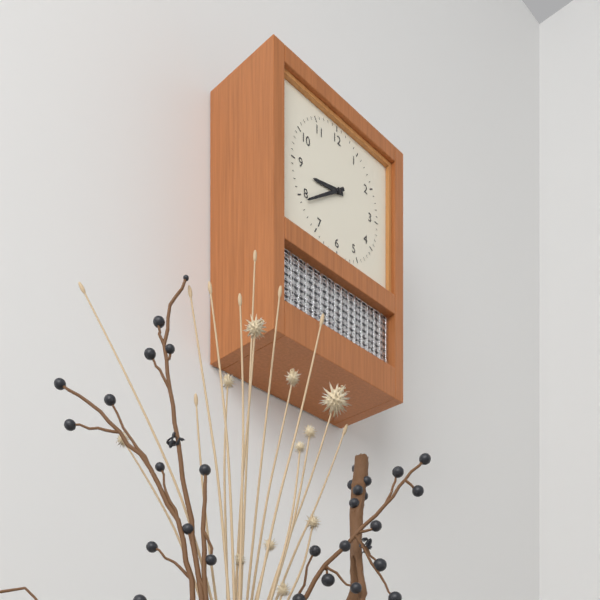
8.39
